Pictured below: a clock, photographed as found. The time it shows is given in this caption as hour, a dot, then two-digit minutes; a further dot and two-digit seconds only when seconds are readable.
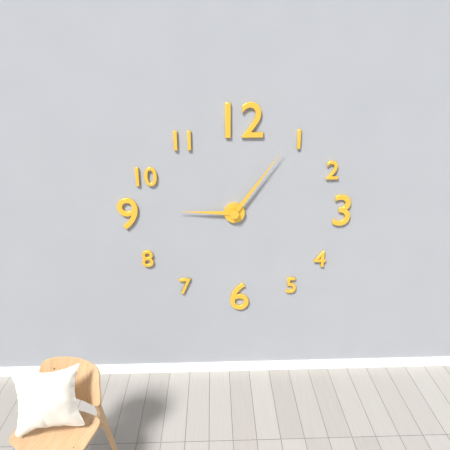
9.06
